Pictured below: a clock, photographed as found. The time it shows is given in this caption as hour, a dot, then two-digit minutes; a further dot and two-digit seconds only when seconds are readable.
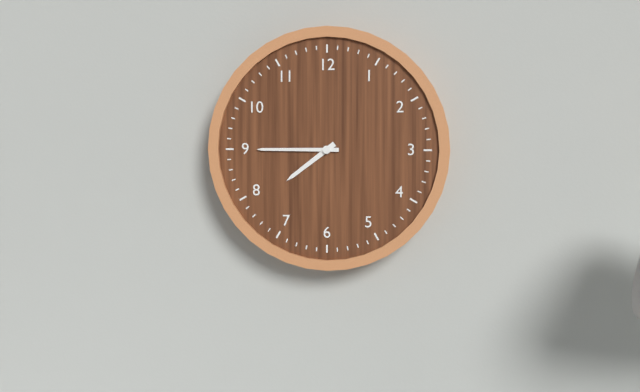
7.45
